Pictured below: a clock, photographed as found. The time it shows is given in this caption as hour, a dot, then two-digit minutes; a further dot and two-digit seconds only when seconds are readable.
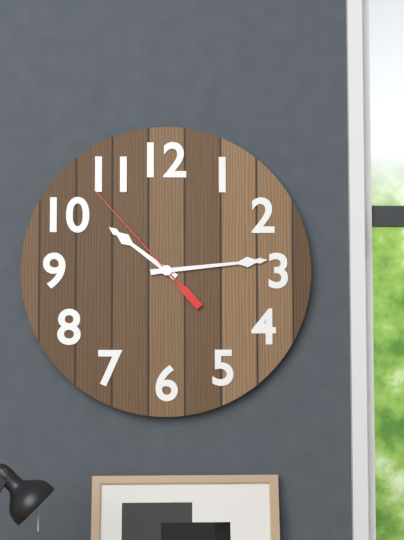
10.14.53
